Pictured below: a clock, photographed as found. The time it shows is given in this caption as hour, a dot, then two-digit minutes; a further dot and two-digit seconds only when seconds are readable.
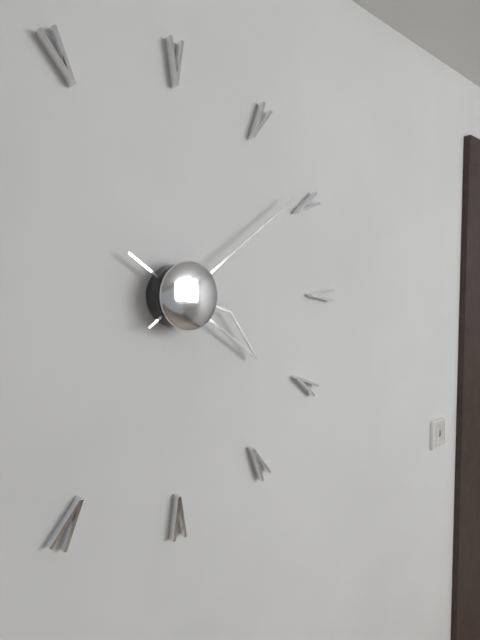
4.09
